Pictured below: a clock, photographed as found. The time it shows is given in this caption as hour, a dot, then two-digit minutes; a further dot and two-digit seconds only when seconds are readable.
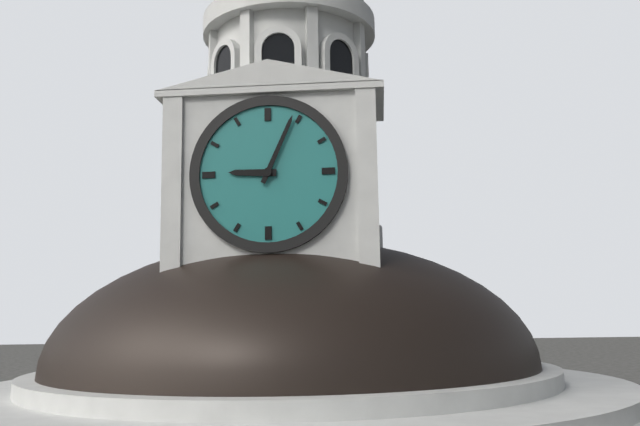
9.04
